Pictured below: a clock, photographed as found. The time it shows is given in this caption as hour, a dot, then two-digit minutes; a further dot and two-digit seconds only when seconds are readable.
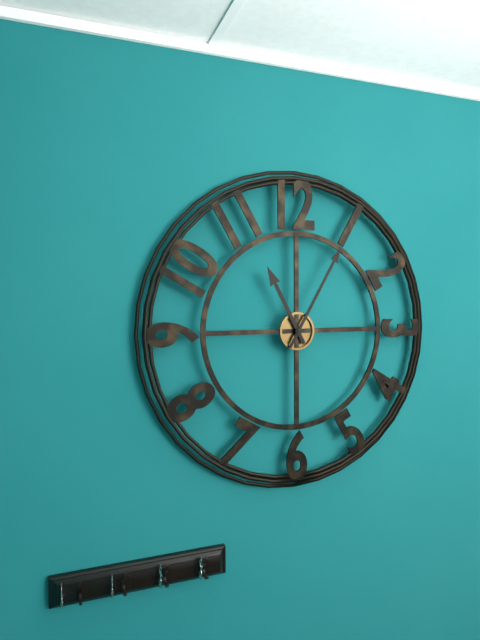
11.05
